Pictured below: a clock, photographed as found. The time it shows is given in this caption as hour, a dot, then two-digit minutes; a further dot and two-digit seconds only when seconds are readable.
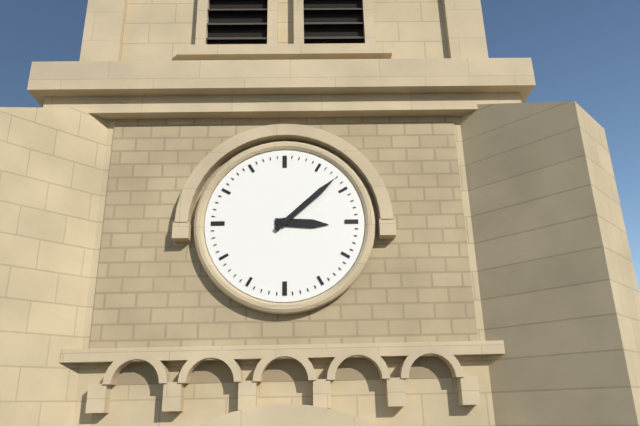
3.08
